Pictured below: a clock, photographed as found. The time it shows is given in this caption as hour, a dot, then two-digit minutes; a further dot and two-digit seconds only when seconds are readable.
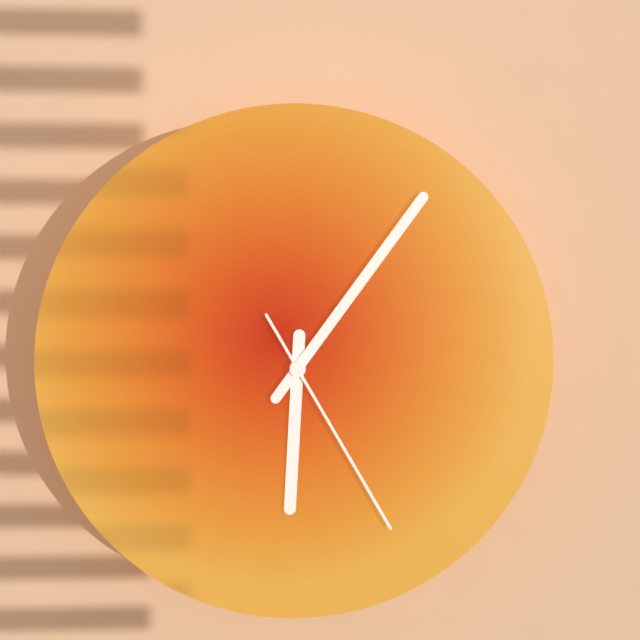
6.06.25
